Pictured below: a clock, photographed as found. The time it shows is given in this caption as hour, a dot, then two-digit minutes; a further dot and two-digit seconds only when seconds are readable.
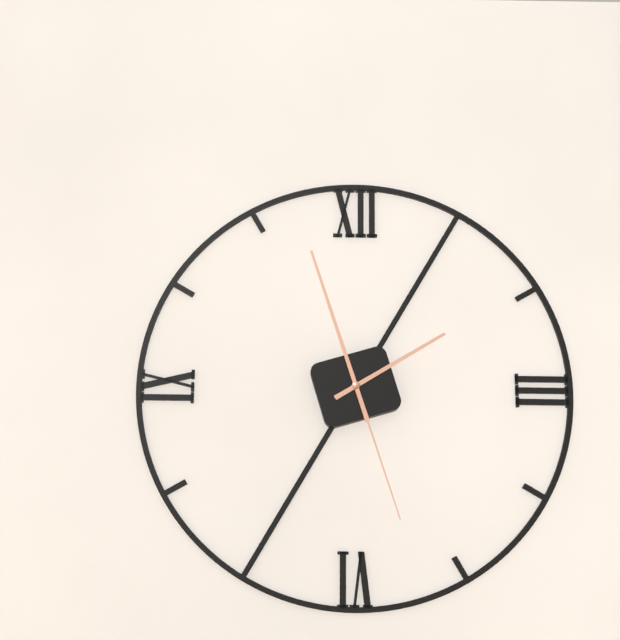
1.57.27
